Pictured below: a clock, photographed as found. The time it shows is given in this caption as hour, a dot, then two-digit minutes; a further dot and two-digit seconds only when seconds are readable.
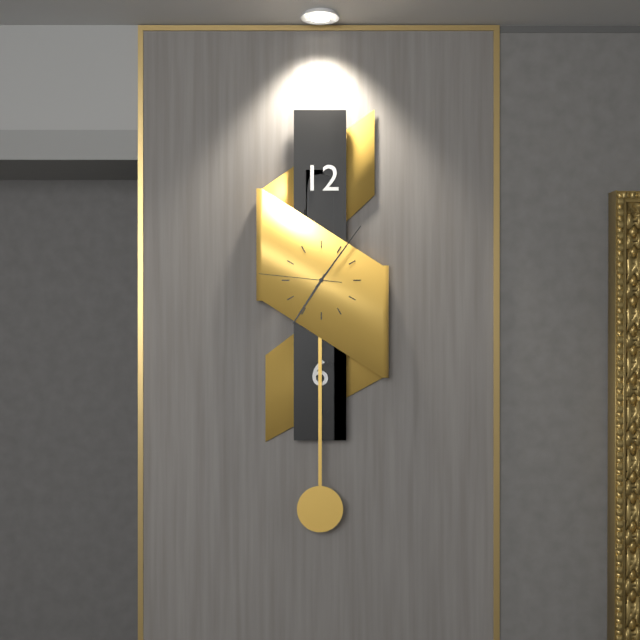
7.06.46
